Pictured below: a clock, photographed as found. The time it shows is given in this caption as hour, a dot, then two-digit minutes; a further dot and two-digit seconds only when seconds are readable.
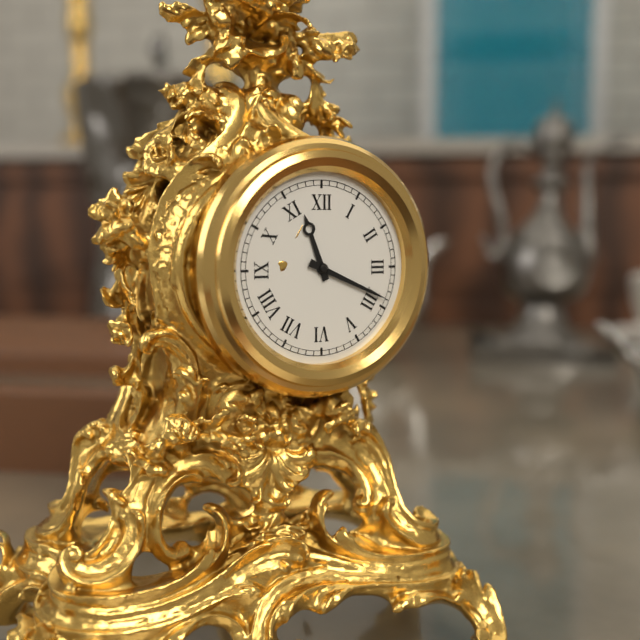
11.19
